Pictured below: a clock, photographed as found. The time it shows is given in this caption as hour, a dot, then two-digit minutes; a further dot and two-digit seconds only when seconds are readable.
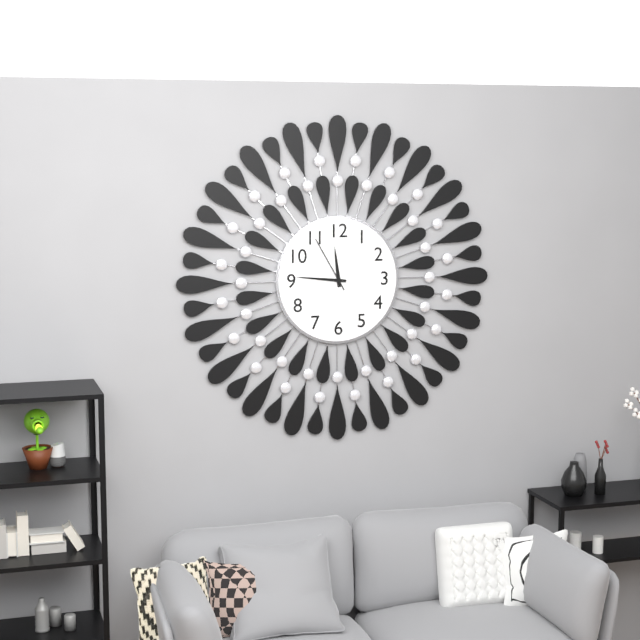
11.46.55
